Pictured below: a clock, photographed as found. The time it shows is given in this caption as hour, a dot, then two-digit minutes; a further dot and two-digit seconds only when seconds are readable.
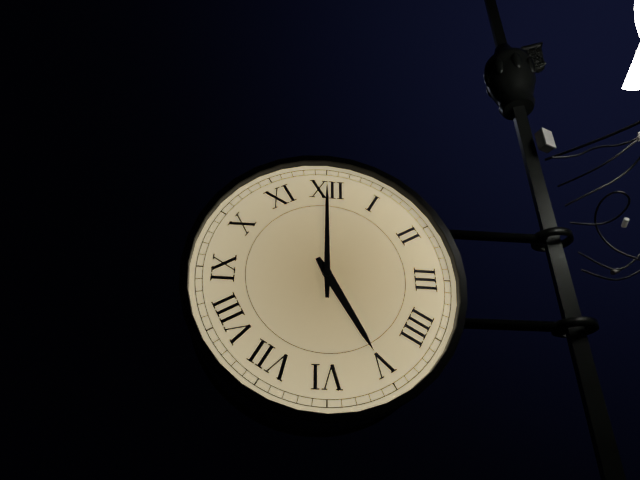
5.00
